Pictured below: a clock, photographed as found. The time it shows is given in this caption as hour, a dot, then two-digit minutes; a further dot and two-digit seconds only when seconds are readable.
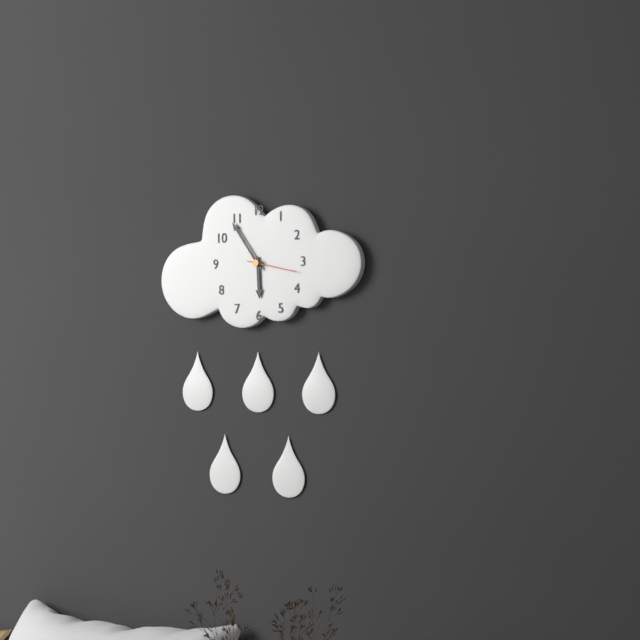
5.54.17
